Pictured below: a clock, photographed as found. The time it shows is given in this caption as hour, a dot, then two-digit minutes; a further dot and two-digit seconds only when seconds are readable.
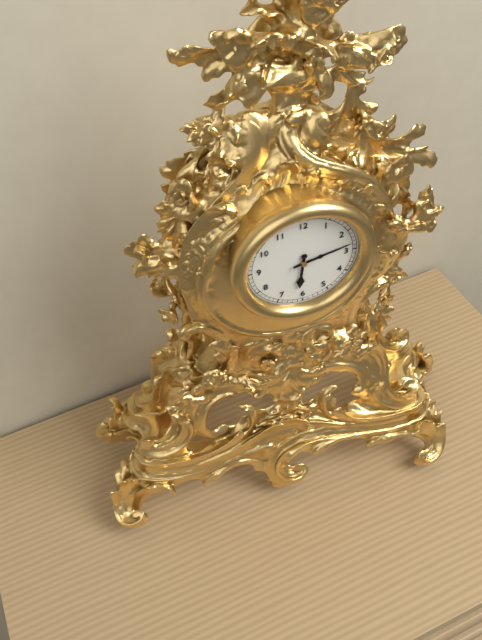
6.13
